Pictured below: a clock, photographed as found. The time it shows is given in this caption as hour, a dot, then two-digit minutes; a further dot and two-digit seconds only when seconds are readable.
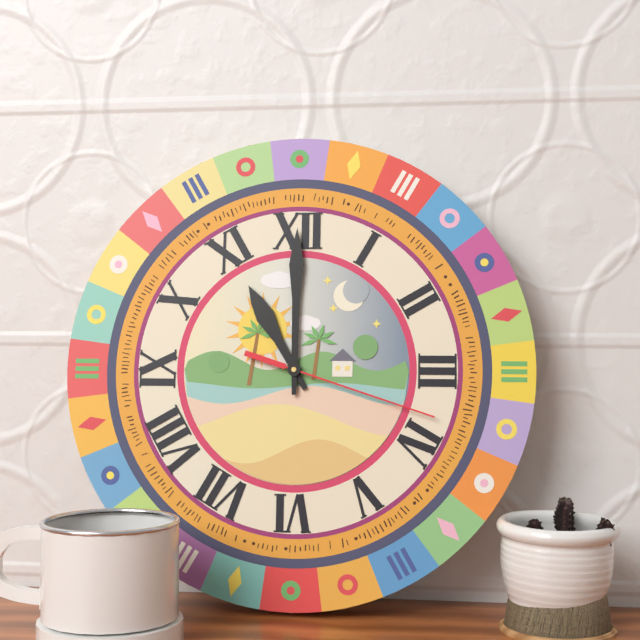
11.00.18
